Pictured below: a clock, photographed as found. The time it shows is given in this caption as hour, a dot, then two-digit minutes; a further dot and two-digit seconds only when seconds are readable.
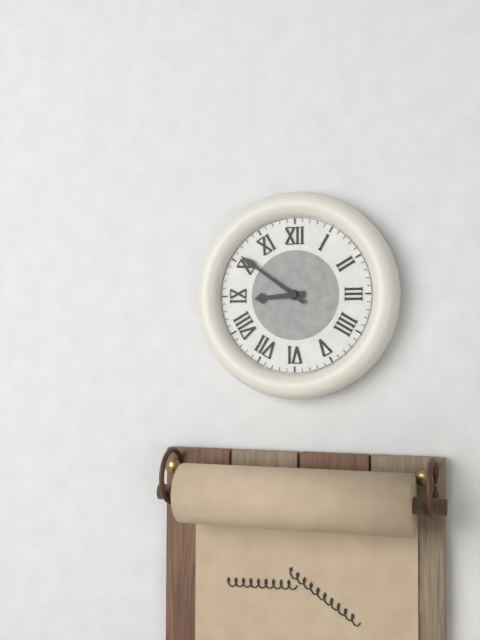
8.51
